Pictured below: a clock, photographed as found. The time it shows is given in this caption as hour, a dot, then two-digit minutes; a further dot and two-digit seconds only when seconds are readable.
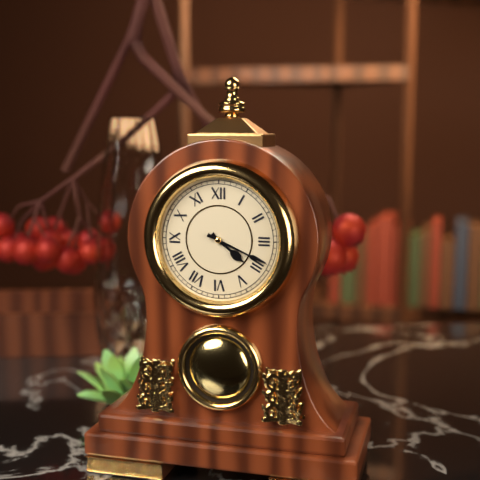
4.19
